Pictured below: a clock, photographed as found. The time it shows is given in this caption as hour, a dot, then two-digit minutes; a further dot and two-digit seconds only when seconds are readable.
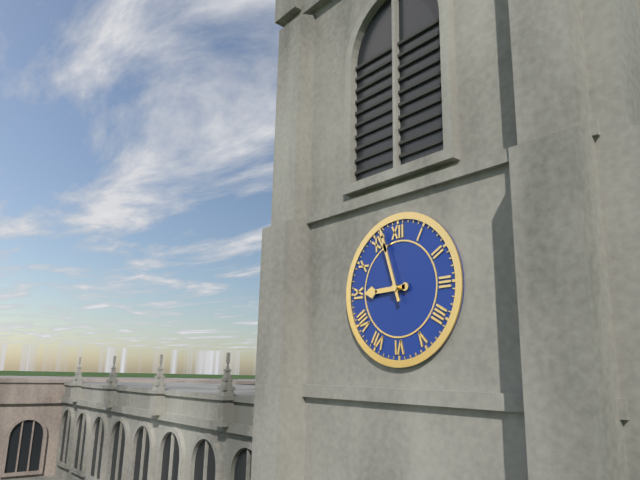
8.57
